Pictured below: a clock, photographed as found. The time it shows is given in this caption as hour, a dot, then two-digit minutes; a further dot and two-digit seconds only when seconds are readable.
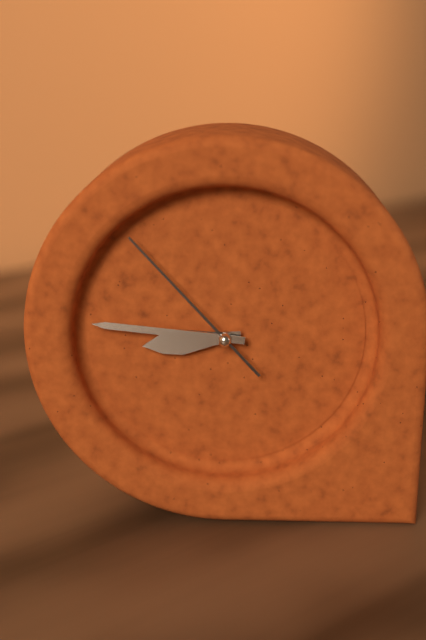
8.46.53
